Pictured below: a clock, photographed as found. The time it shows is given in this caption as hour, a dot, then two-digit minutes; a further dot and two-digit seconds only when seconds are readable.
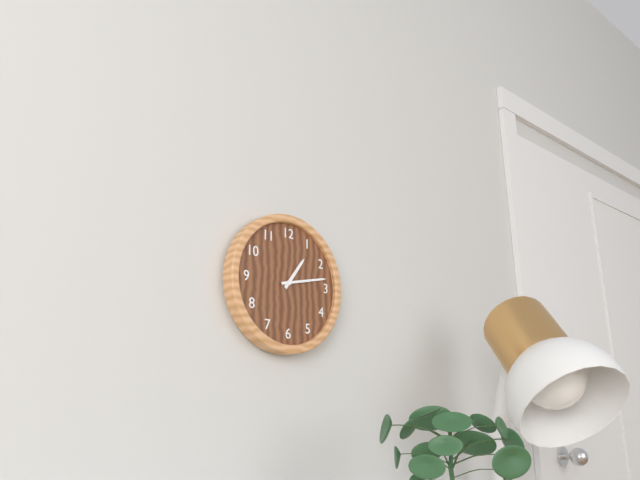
1.13
